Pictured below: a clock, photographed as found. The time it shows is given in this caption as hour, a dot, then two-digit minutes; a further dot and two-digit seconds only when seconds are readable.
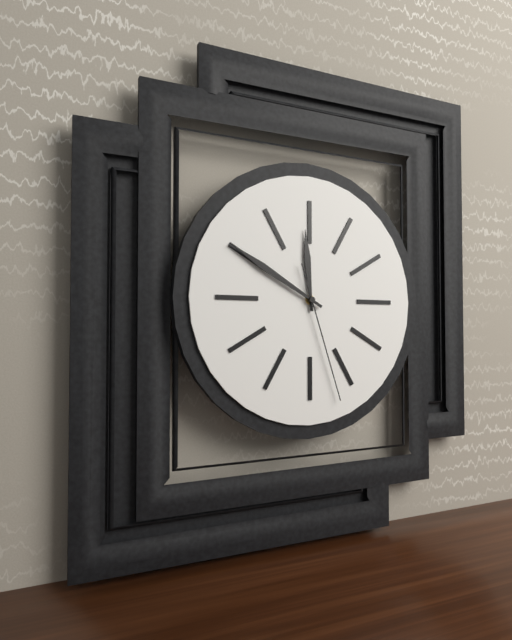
11.50.27
